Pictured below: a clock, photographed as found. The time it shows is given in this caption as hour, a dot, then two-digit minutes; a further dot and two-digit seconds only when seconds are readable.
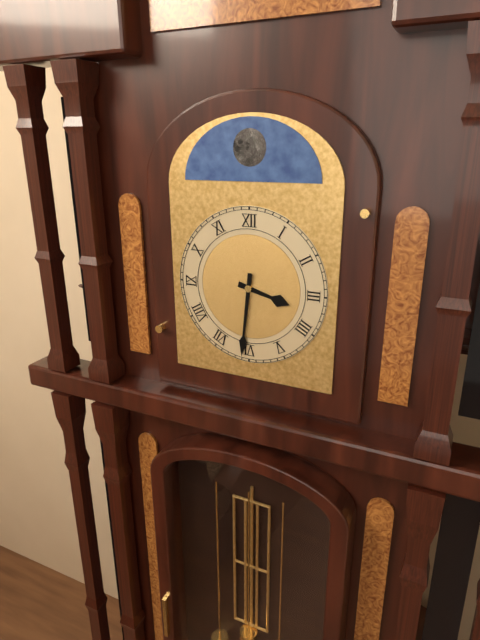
3.31
